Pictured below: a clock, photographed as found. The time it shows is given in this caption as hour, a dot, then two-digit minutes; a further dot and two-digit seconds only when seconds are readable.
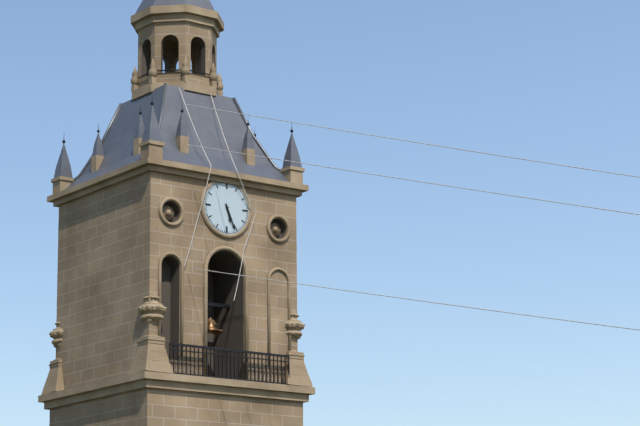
5.26
